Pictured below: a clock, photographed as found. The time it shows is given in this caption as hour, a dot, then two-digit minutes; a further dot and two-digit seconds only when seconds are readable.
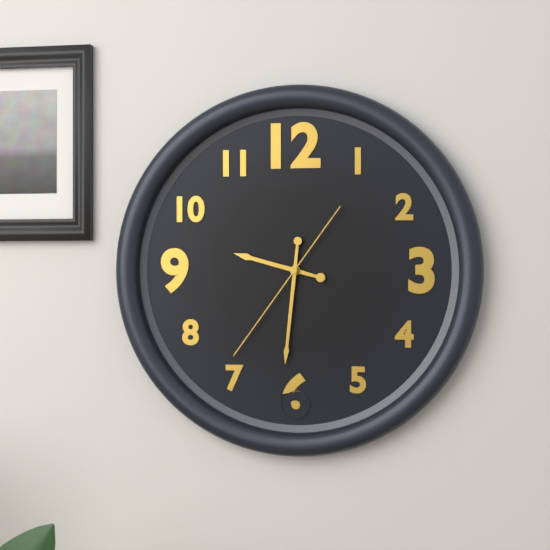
9.31.36
